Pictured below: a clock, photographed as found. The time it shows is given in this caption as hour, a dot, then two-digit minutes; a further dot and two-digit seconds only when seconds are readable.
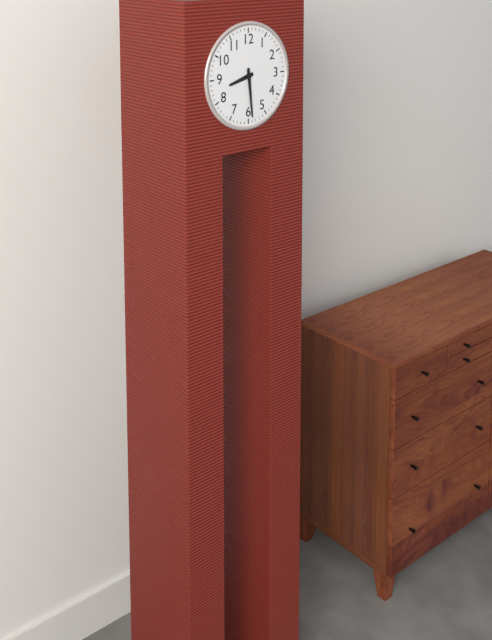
8.29
